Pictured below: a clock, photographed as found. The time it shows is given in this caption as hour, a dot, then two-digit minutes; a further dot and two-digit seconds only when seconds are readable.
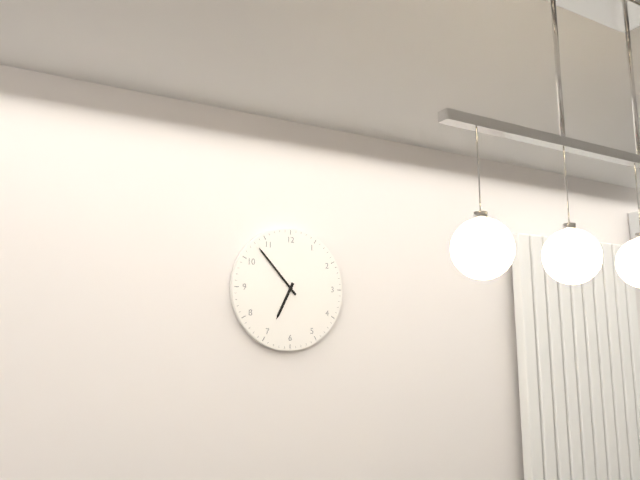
6.53
